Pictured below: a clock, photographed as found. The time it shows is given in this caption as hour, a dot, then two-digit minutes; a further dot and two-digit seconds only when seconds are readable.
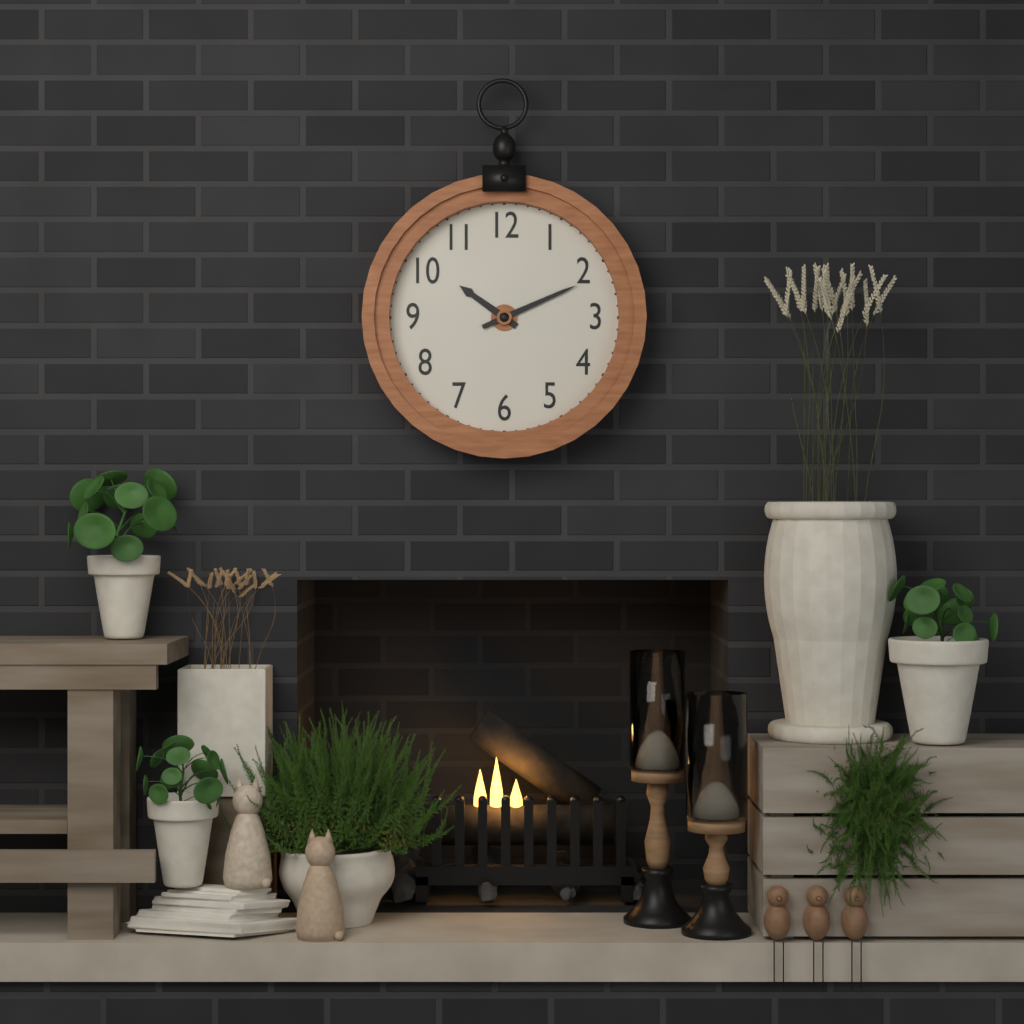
10.11
